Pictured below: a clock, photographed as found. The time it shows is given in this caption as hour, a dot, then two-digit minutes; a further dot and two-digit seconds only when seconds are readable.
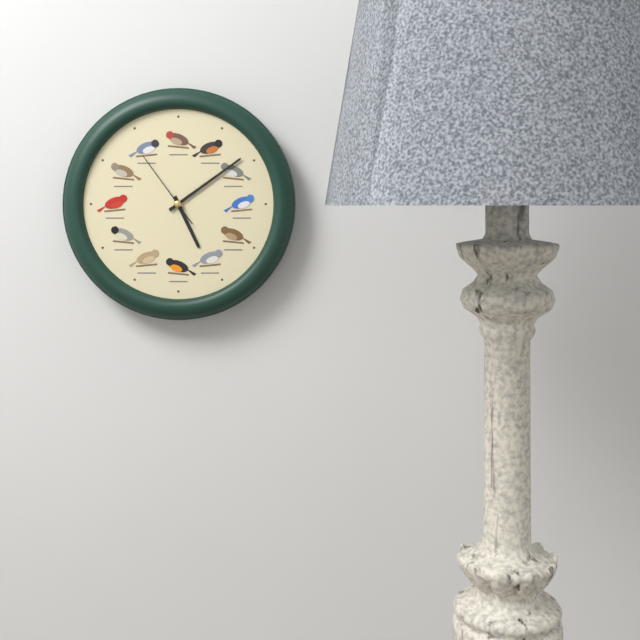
5.09.54
